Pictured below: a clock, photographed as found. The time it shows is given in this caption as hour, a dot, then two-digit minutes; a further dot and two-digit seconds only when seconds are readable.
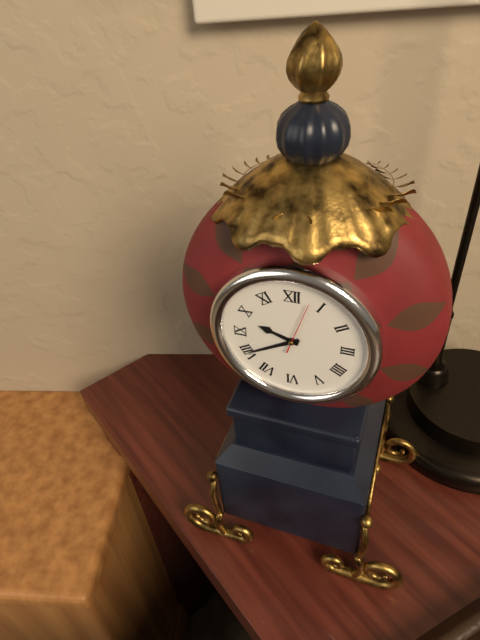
9.40
